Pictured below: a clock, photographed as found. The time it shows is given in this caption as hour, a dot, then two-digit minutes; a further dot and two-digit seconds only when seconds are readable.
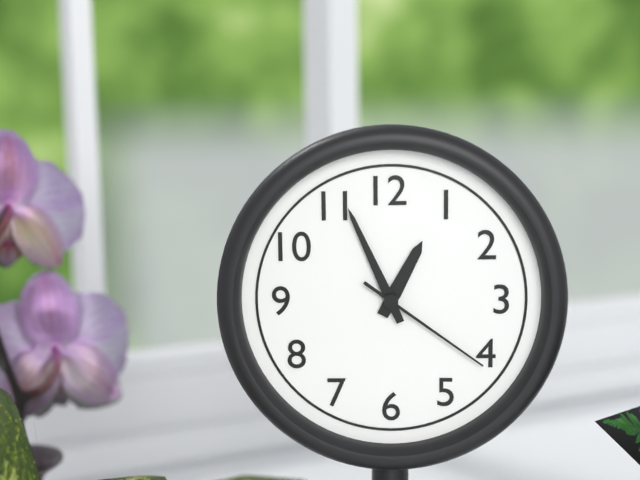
12.56.21
